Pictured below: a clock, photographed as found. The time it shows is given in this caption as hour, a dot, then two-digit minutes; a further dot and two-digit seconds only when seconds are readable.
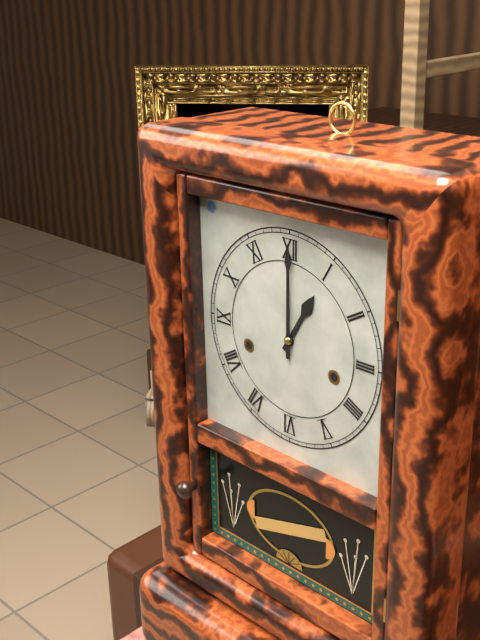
1.00
